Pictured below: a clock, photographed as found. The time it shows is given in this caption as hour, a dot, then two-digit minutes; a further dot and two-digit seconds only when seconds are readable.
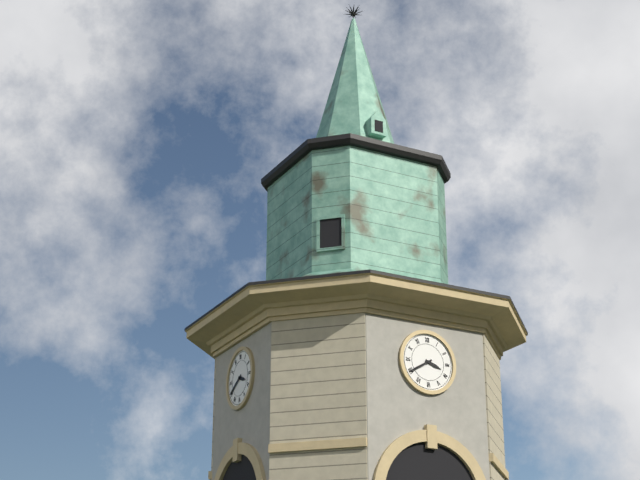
3.40
